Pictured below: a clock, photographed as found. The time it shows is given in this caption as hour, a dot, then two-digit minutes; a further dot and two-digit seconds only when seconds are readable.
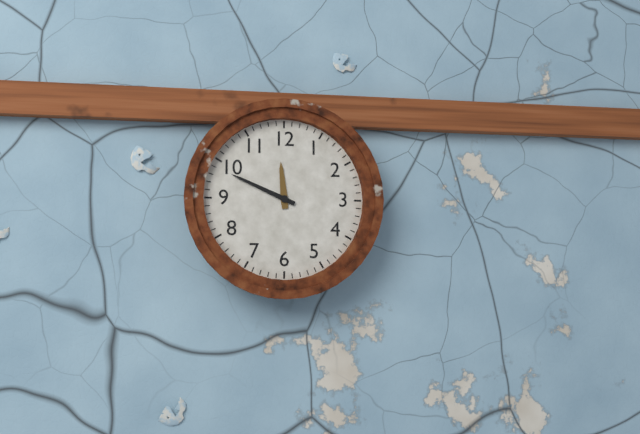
11.49
